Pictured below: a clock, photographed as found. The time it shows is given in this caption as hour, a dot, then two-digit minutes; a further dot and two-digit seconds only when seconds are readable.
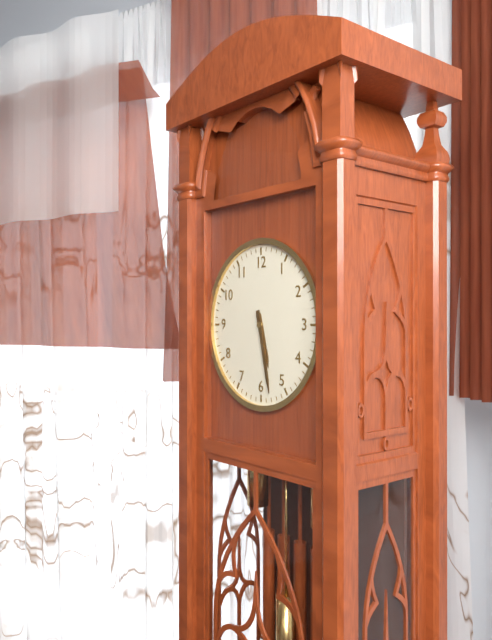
5.28
